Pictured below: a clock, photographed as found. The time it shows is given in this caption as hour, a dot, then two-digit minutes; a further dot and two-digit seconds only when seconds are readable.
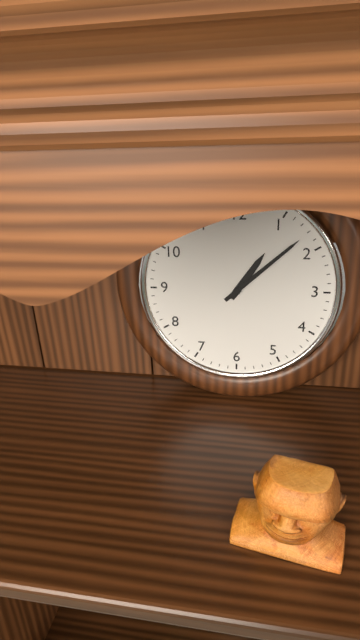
1.08
